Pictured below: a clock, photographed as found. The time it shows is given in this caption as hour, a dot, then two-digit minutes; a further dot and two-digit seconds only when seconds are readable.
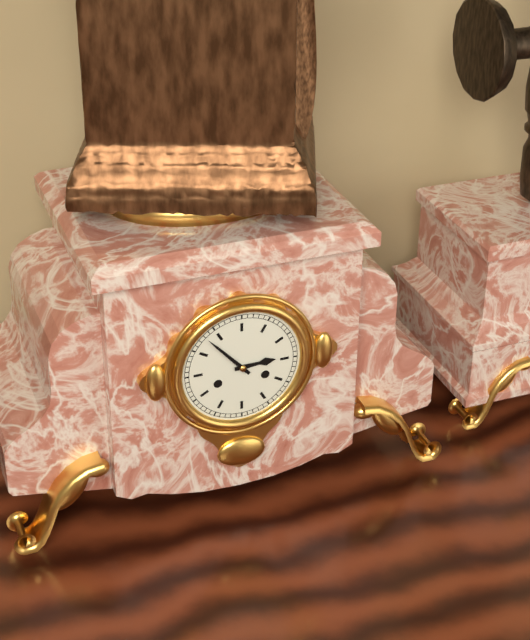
2.53
